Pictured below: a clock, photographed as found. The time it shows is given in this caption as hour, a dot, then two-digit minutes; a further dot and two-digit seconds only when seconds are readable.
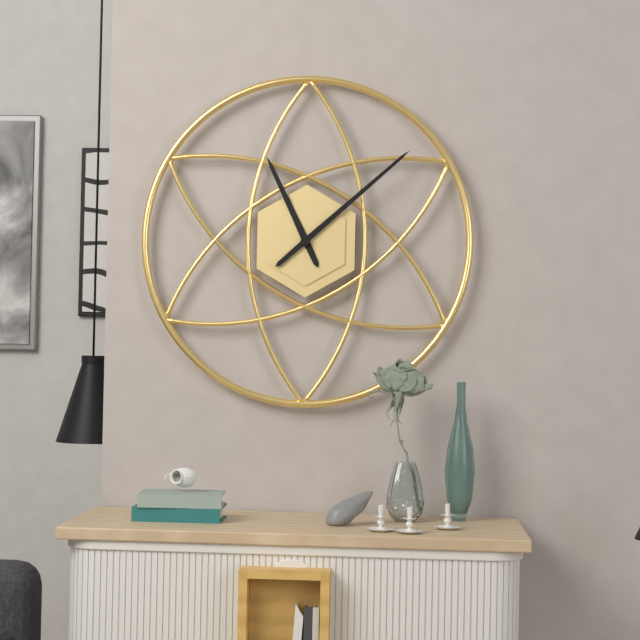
11.08
